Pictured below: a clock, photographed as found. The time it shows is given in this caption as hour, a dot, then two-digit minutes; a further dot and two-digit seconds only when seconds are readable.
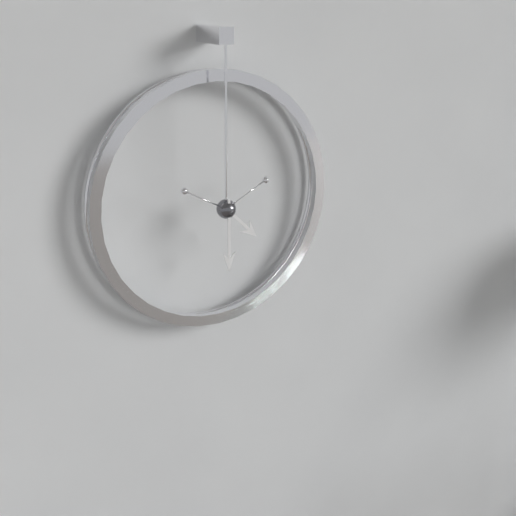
4.30
